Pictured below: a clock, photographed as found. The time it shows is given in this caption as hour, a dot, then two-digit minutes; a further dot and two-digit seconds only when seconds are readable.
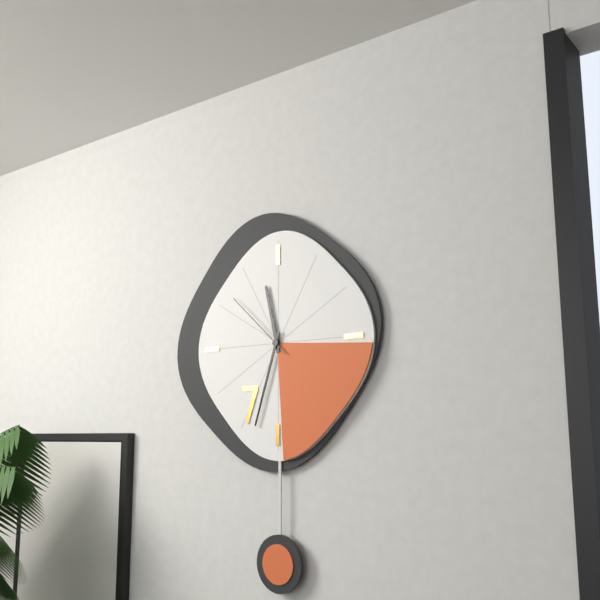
11.33.52
